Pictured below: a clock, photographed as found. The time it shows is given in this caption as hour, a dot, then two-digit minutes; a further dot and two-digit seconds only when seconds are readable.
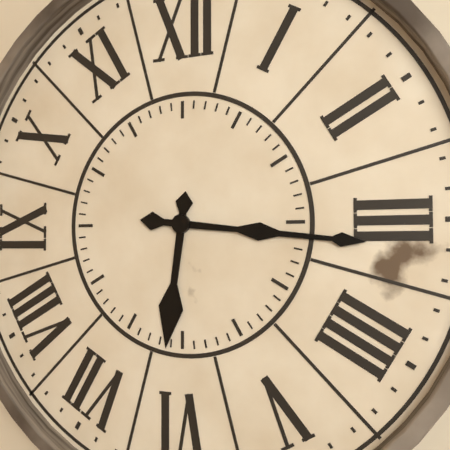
6.16
